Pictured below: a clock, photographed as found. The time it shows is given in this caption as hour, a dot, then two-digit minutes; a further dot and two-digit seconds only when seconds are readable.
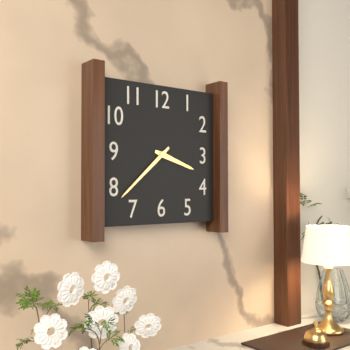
3.38
